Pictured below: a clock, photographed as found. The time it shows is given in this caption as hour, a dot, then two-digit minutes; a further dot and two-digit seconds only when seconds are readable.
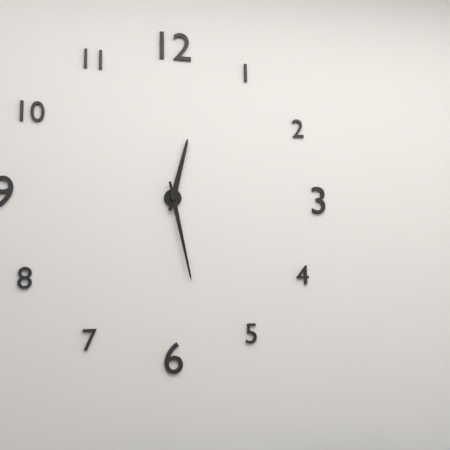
12.28
